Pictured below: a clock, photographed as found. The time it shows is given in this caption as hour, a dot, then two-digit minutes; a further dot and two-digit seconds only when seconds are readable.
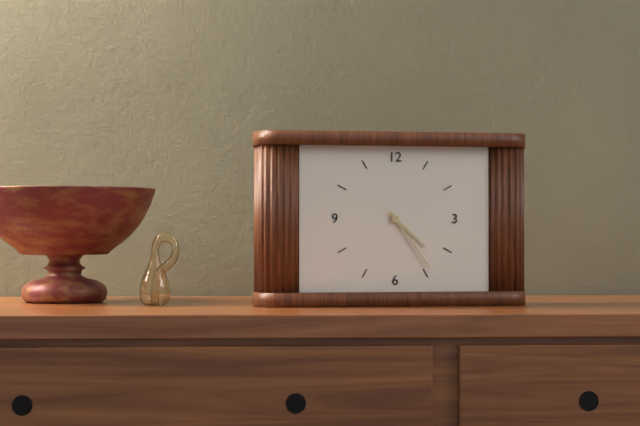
4.24
